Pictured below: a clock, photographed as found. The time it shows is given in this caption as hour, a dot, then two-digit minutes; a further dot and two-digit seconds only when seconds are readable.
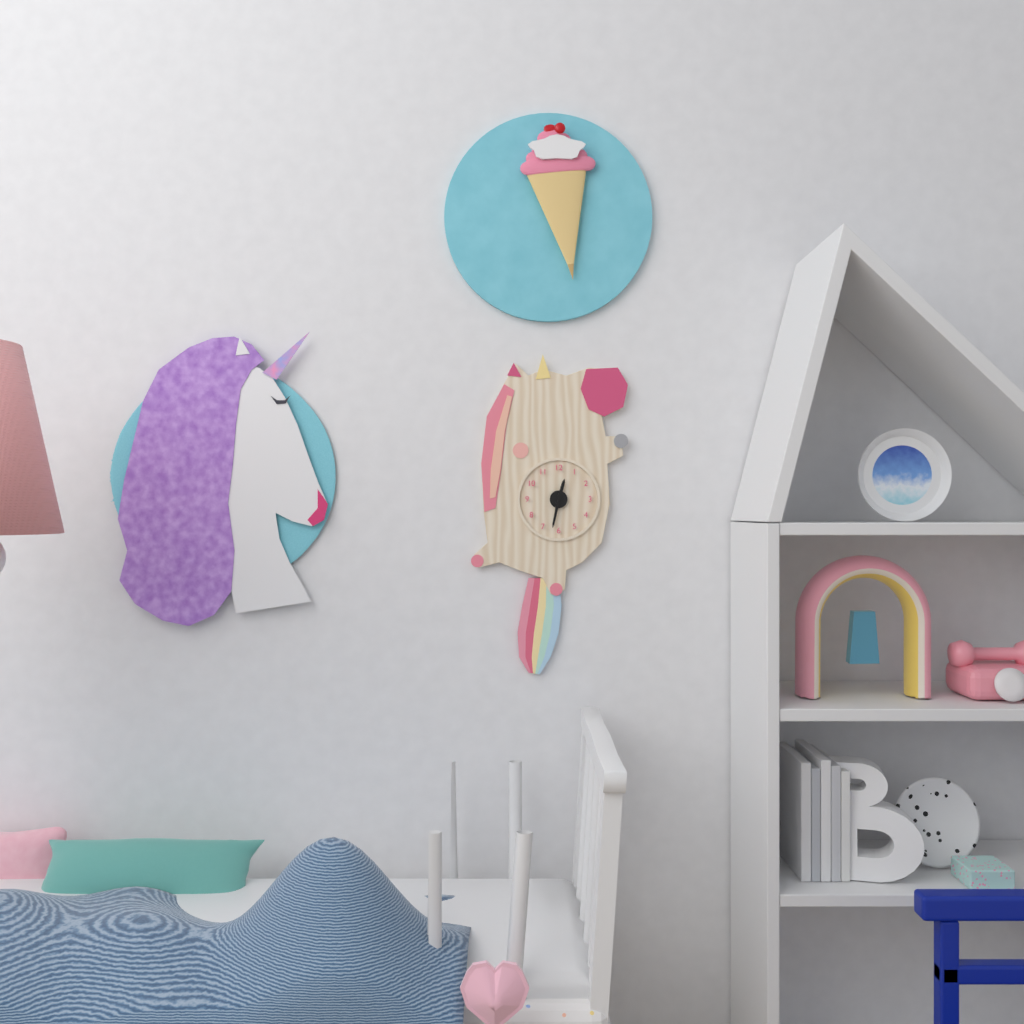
12.32
